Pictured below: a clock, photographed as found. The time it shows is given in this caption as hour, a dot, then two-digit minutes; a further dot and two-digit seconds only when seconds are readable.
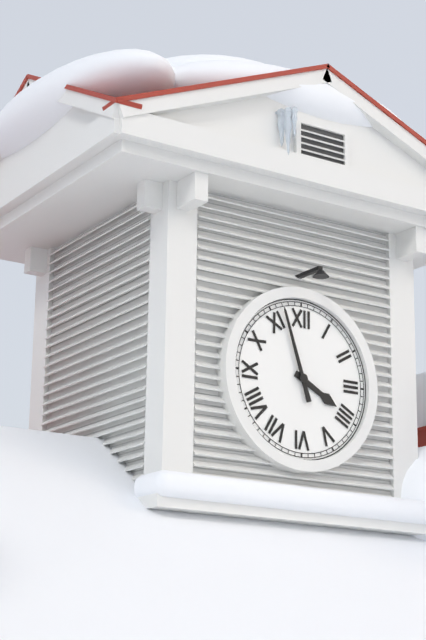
3.57
